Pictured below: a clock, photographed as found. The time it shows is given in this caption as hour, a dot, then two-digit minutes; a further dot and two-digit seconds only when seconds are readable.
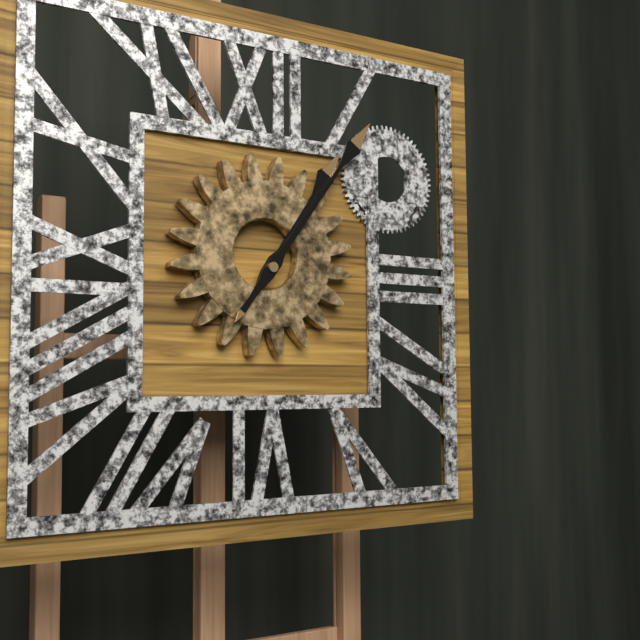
1.06
